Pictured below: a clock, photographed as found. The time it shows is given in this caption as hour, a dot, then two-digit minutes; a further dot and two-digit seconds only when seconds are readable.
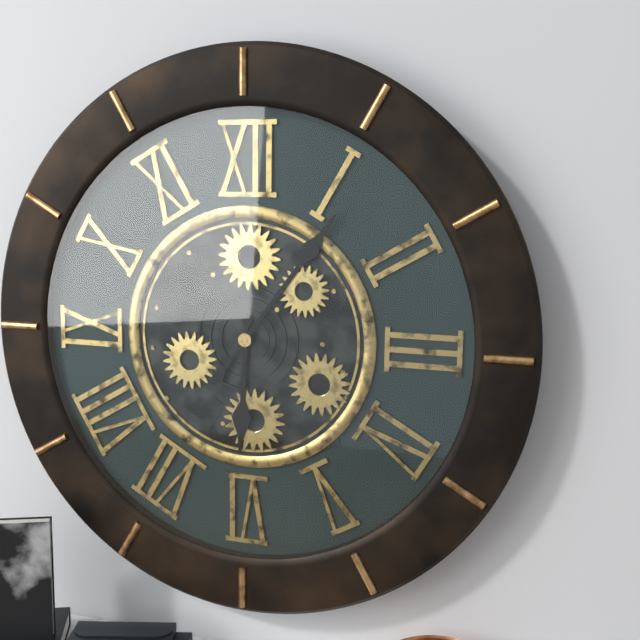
6.06
